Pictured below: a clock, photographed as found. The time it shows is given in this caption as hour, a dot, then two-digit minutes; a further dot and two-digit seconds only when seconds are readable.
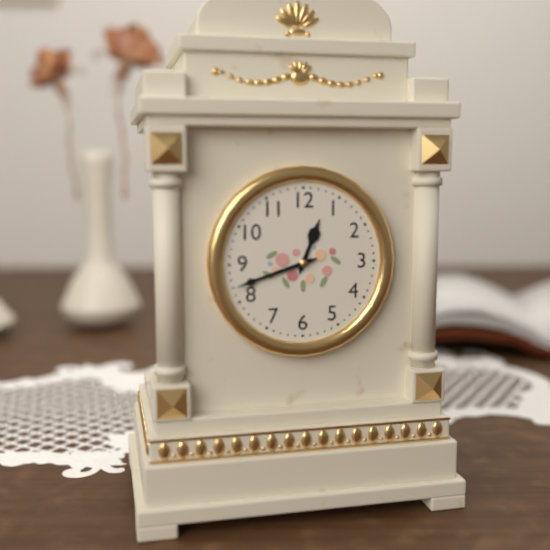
12.42
